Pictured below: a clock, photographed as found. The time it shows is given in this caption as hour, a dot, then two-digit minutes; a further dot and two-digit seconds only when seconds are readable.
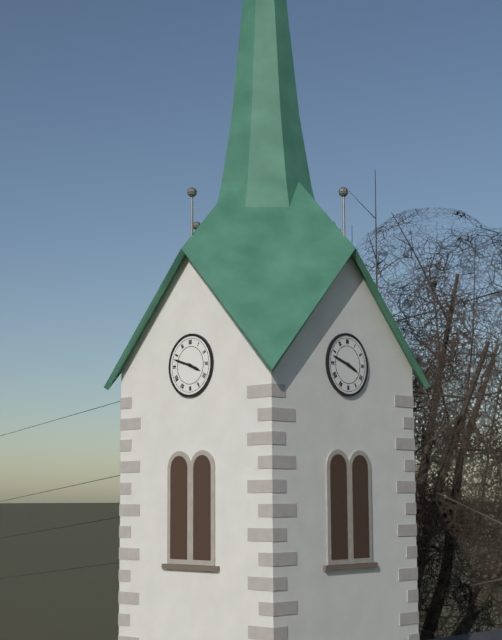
3.48
